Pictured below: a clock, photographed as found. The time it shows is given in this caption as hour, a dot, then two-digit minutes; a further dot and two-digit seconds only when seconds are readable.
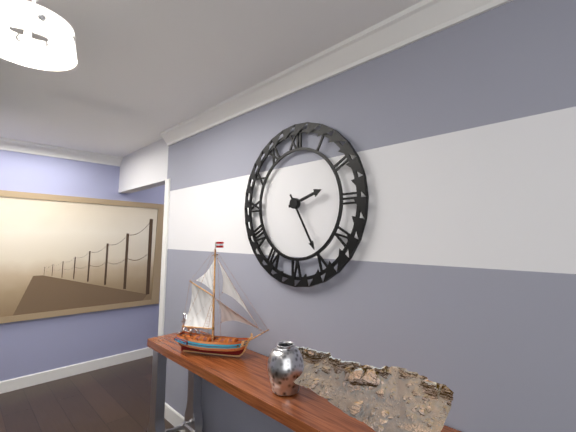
2.25
